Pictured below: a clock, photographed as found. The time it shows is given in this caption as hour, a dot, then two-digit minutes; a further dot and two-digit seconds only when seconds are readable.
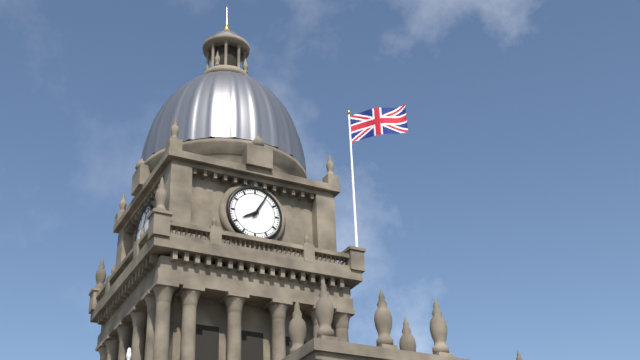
8.05
